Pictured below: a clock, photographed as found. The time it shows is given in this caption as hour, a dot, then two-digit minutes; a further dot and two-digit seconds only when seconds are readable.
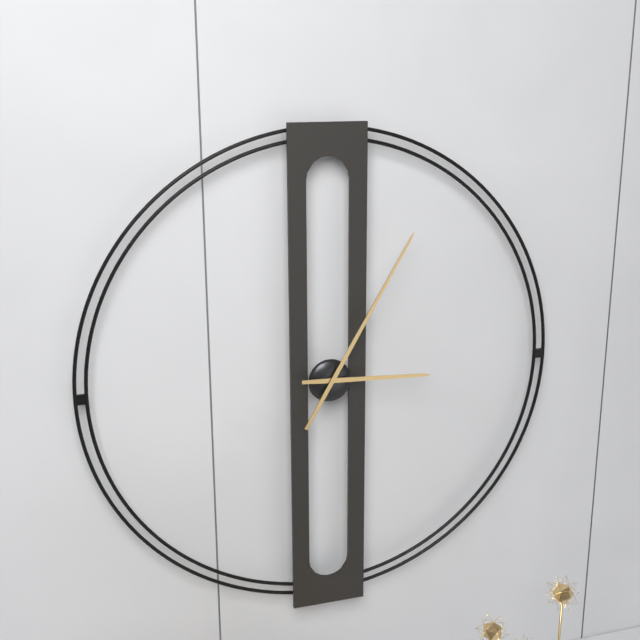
3.05
